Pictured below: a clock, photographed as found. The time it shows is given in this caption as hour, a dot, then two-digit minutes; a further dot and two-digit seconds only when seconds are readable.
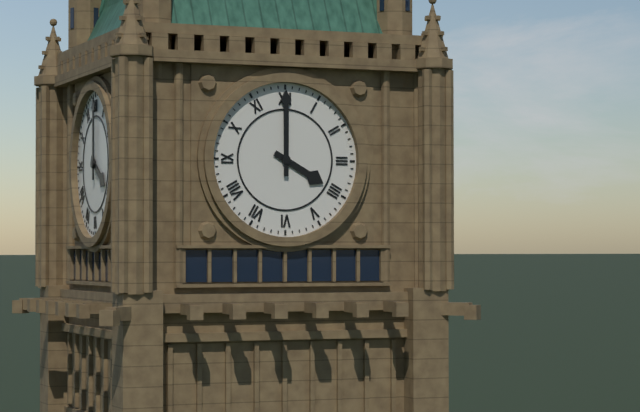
4.00
